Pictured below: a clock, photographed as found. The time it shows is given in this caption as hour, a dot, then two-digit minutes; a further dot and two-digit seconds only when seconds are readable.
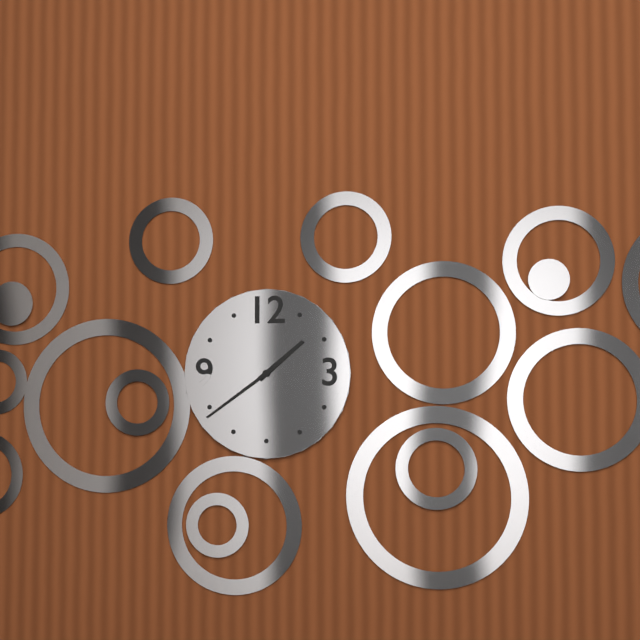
1.39
